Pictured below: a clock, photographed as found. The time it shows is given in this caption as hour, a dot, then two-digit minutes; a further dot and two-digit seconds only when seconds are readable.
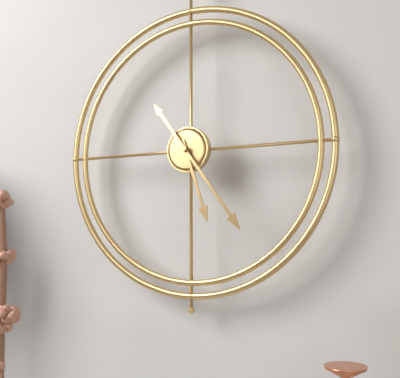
5.24
